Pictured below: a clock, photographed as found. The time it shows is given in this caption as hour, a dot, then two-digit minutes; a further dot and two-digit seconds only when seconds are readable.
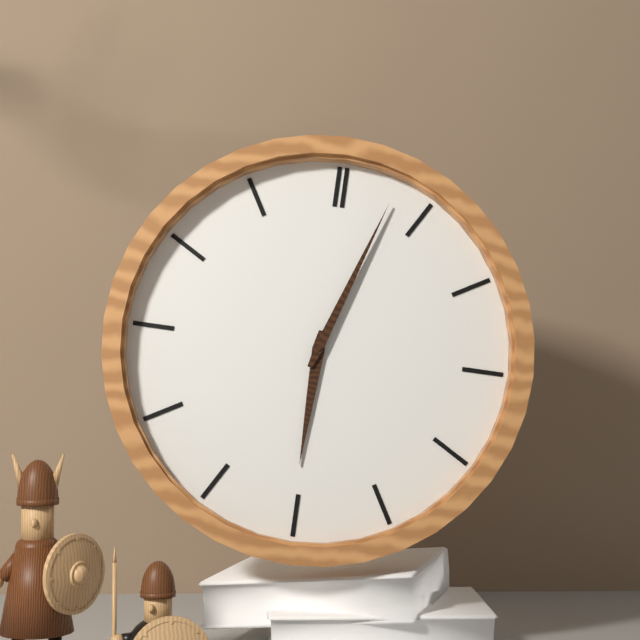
6.03
